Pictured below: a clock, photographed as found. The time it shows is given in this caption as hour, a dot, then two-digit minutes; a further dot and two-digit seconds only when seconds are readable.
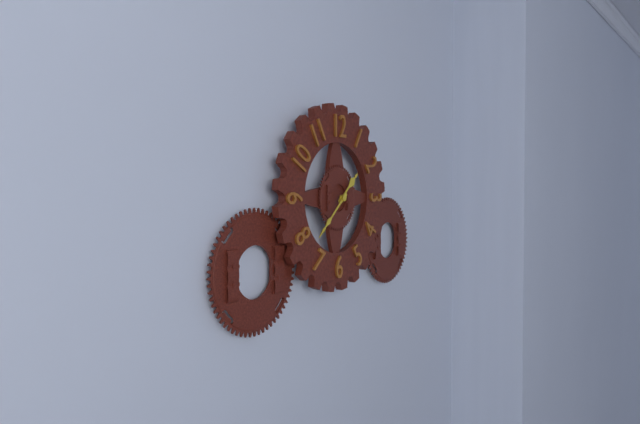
1.38
